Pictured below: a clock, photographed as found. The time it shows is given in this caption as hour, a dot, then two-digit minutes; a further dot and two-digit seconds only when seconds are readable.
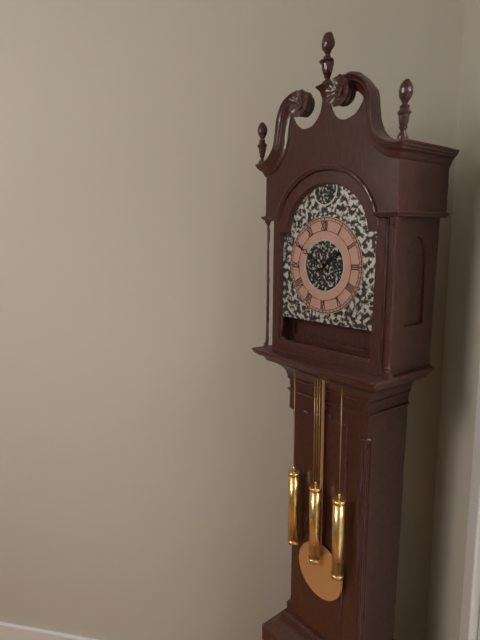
1.50
